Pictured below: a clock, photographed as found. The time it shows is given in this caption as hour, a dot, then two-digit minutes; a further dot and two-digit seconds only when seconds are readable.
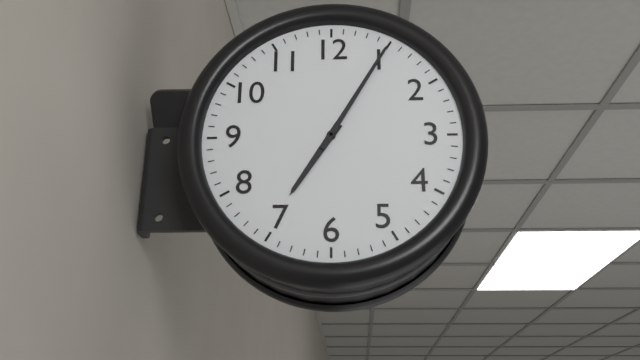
7.05
